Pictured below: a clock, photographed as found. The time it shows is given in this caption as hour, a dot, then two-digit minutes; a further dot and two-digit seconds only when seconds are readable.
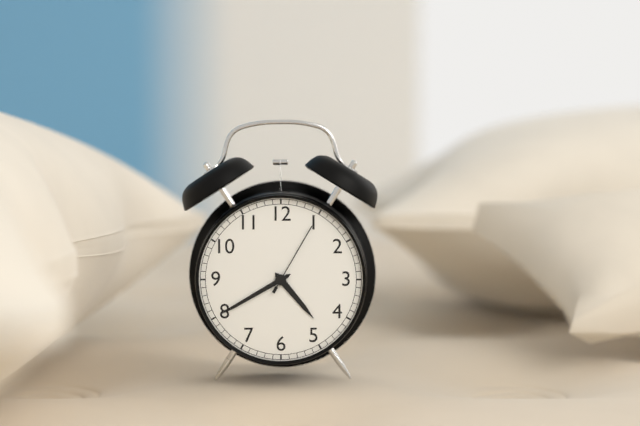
4.40.05
